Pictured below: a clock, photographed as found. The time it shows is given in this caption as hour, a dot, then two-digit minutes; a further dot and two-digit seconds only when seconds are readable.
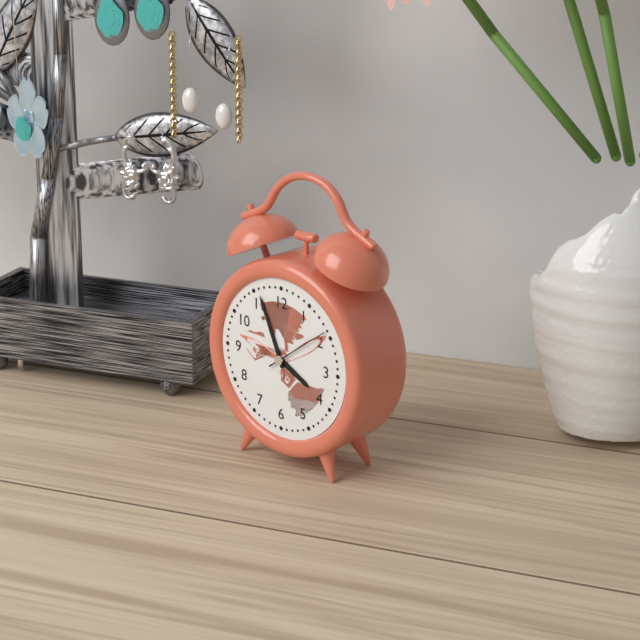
3.56.09
